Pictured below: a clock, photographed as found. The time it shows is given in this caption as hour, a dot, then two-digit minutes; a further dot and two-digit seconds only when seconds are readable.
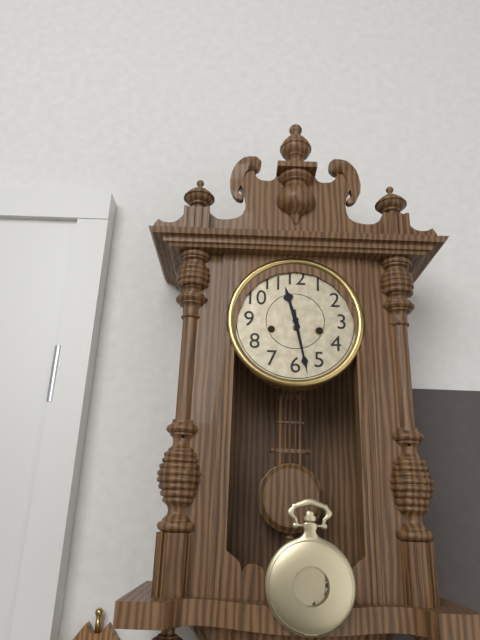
11.28
